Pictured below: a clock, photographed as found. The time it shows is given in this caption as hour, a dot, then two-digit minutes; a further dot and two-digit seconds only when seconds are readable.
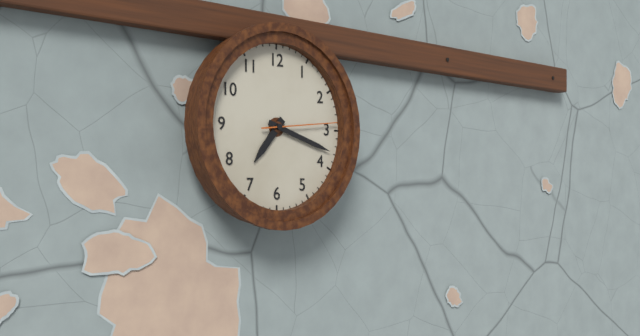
7.18.14
